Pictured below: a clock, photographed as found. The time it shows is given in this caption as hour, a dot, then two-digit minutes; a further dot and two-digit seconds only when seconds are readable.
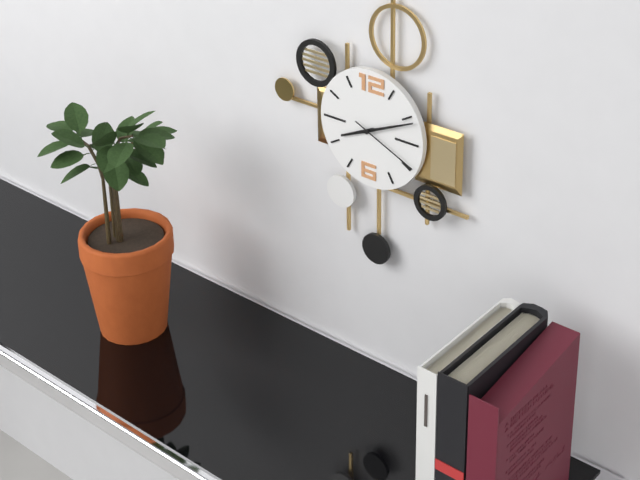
8.11.19
